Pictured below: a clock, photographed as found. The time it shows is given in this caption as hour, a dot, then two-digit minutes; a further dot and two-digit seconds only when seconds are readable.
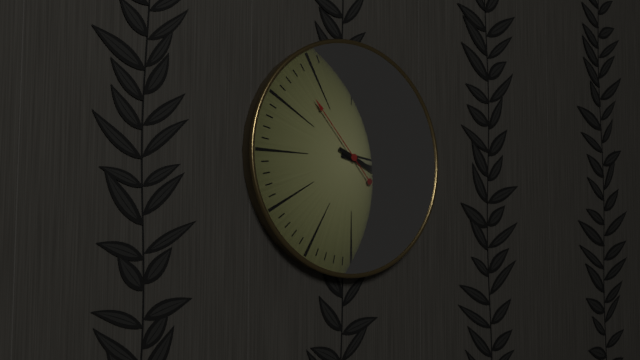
3.19.53
